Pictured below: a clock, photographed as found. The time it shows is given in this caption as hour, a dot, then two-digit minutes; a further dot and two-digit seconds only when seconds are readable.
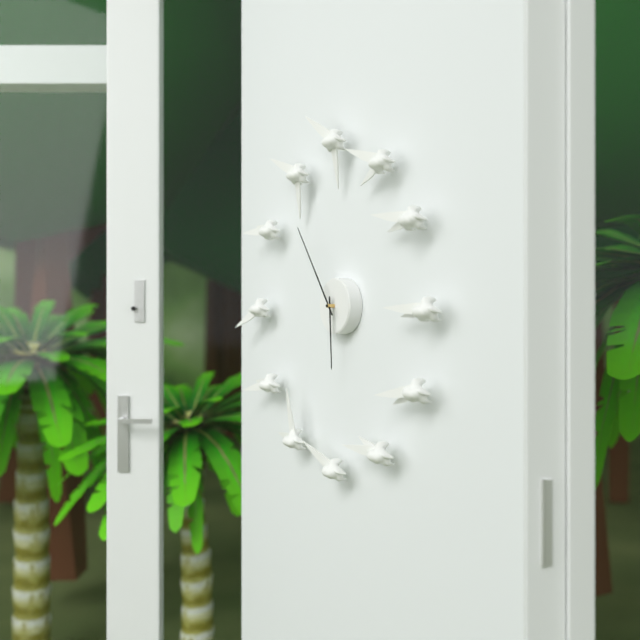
5.54
